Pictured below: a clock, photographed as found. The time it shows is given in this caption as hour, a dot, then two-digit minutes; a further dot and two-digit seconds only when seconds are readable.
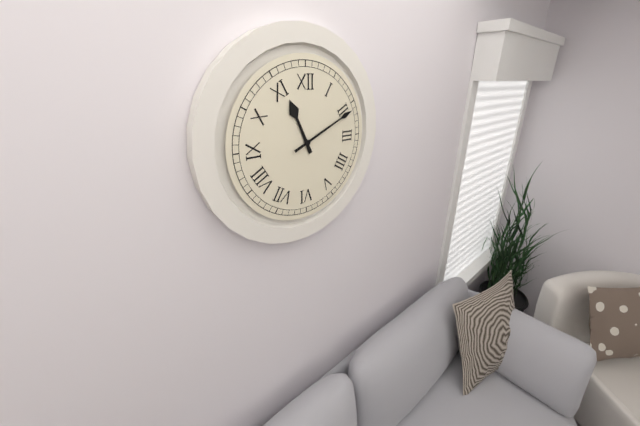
11.11
